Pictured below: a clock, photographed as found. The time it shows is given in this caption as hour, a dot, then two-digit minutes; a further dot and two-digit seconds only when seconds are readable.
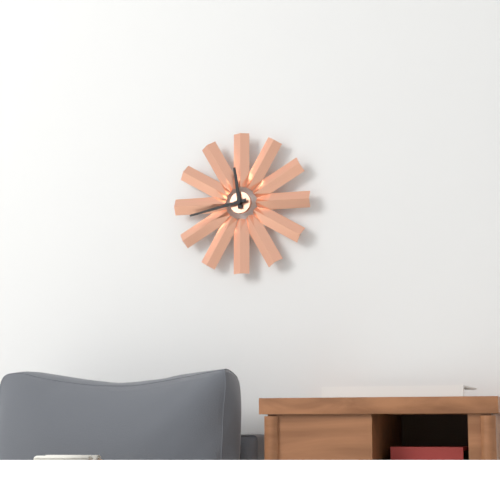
11.43
